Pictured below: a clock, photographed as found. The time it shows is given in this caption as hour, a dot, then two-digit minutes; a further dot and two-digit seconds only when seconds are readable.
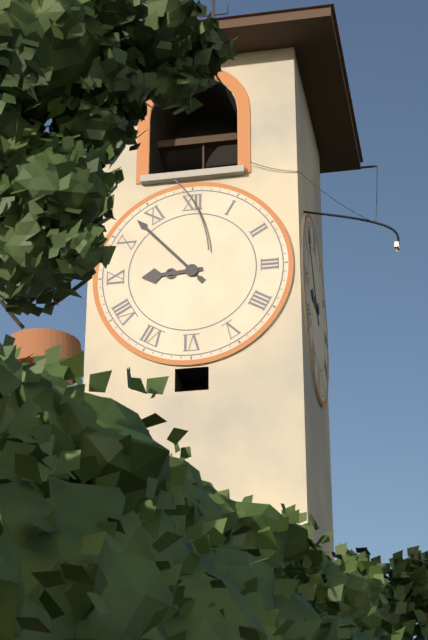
8.53
